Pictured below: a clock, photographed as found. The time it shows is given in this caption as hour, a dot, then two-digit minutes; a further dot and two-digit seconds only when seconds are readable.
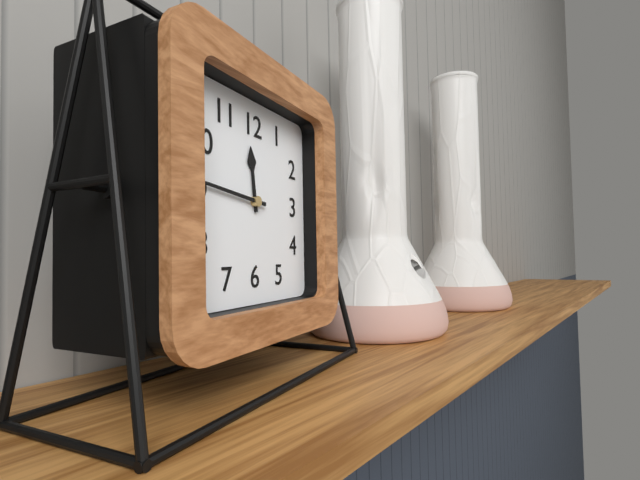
11.46
